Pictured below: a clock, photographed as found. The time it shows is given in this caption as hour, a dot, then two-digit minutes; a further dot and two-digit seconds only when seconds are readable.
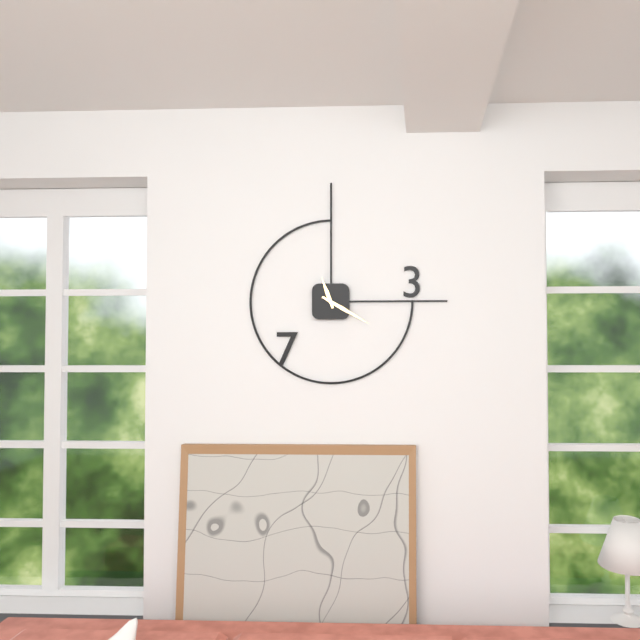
11.20
